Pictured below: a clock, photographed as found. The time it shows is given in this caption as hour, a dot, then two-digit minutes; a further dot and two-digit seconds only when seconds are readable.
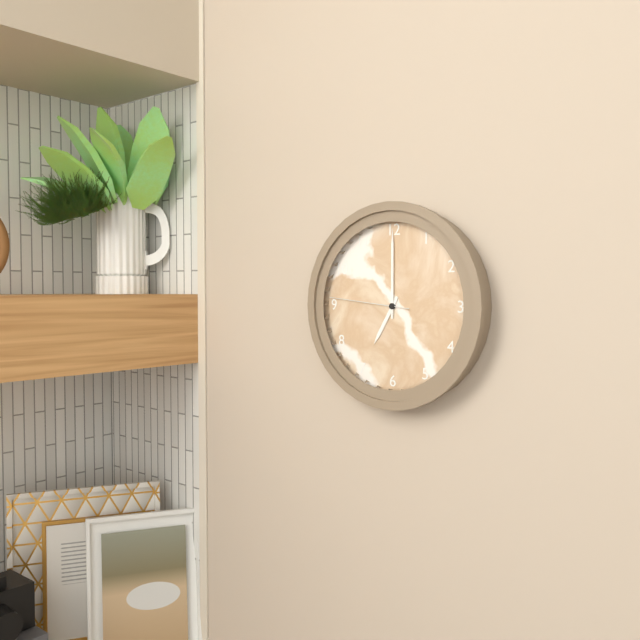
7.00.46
